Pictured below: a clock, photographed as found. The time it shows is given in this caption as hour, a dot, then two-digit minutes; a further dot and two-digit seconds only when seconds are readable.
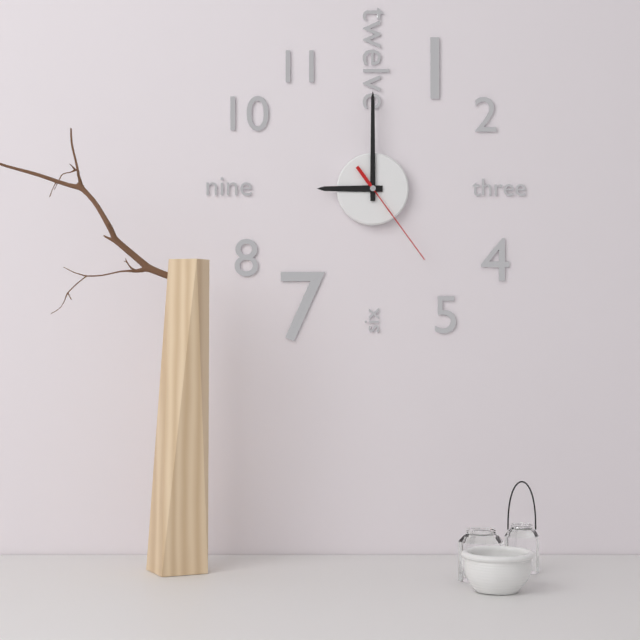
9.00.24
